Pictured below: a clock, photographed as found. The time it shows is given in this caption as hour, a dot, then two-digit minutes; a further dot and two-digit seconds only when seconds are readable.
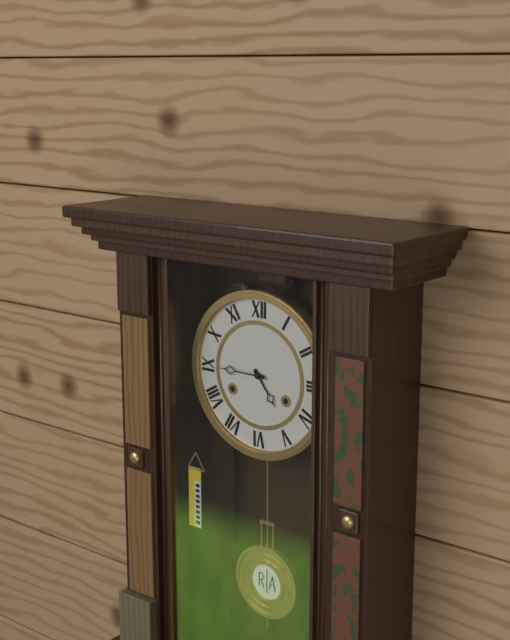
4.45
